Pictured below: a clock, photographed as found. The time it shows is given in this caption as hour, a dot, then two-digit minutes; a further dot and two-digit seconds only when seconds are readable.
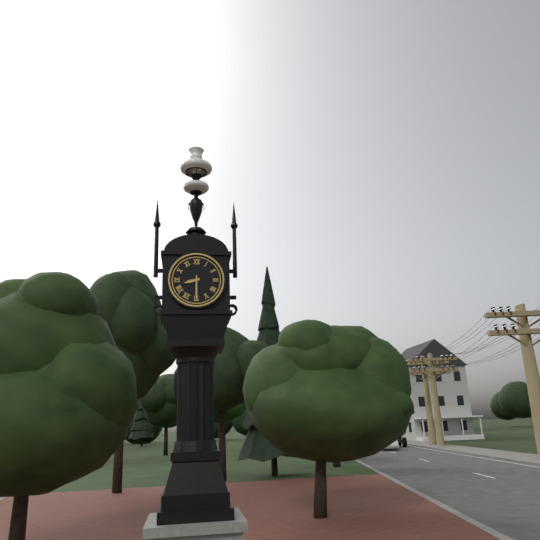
8.30
